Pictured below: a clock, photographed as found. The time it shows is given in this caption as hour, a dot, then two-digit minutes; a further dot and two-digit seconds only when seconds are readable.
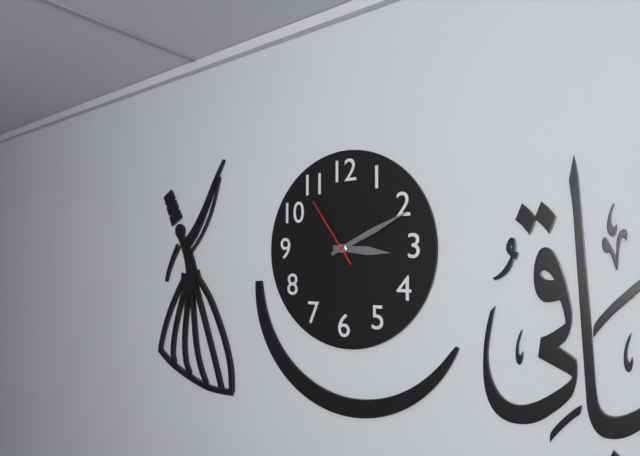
3.11.54
